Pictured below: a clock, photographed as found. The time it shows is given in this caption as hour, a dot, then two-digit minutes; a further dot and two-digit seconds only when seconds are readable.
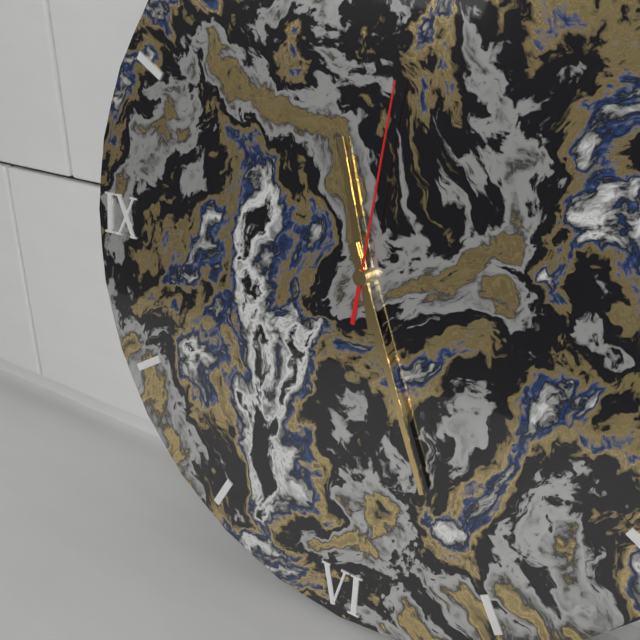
11.26.01
